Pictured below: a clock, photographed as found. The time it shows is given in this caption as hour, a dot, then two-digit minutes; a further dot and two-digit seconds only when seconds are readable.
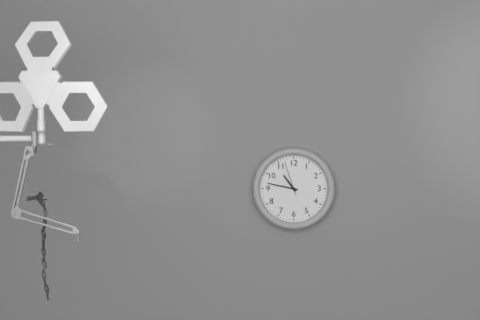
10.47
